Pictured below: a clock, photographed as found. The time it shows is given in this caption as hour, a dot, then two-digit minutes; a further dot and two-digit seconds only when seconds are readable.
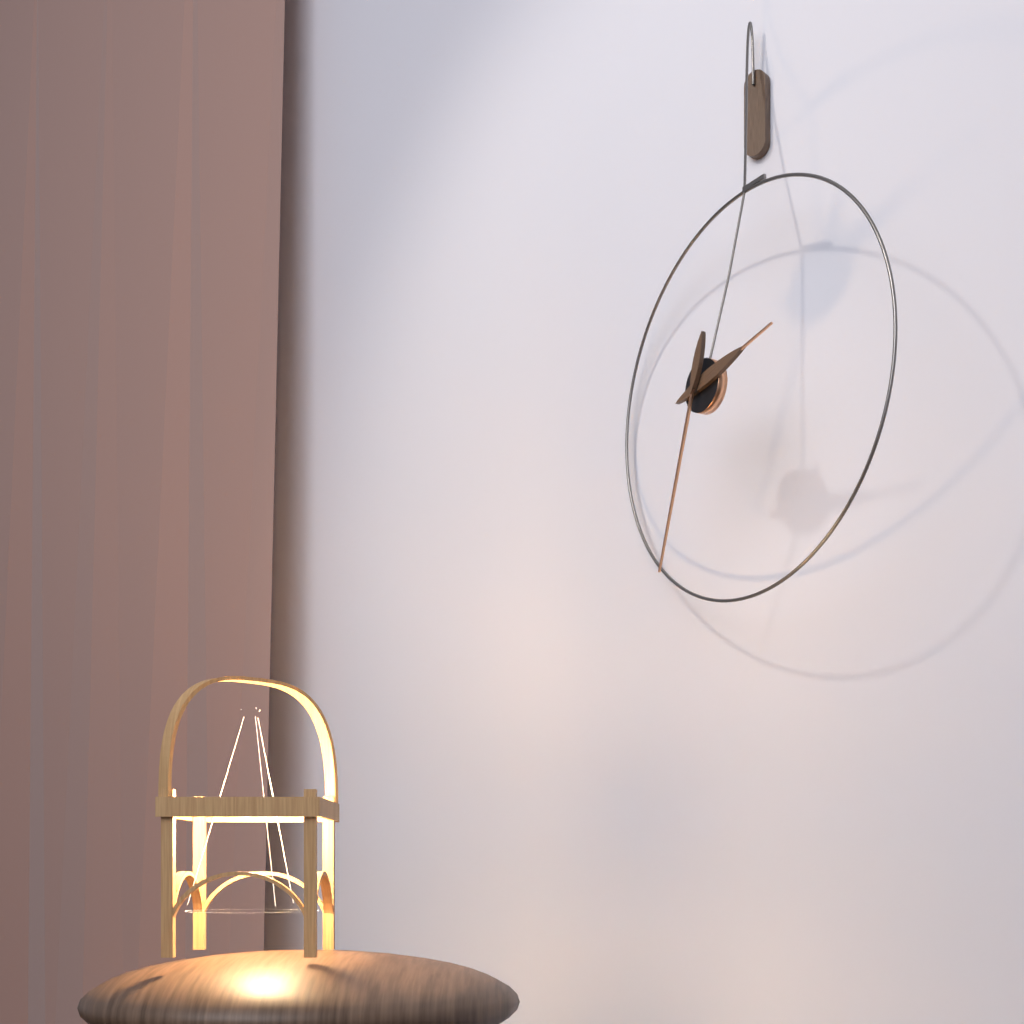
2.33
